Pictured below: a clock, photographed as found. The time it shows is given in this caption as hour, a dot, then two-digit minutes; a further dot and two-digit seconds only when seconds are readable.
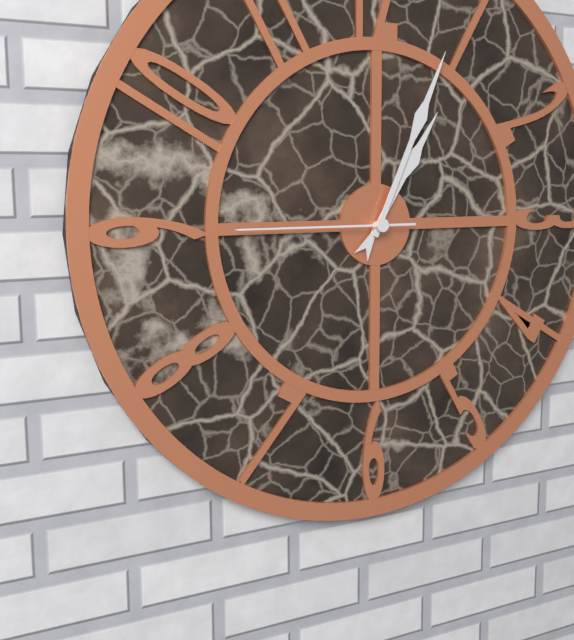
1.04.45
